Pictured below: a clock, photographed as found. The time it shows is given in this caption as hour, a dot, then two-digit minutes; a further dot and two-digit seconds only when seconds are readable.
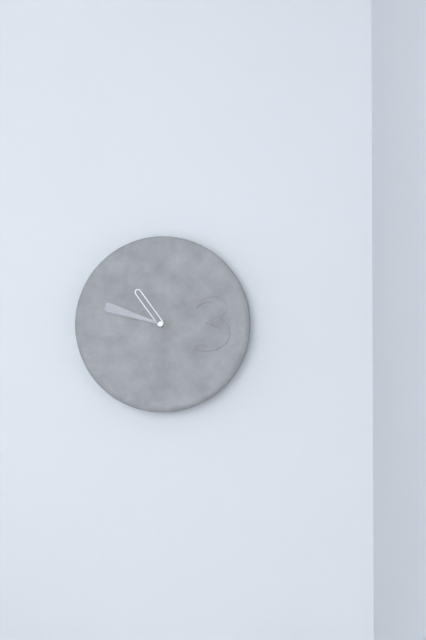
10.48
